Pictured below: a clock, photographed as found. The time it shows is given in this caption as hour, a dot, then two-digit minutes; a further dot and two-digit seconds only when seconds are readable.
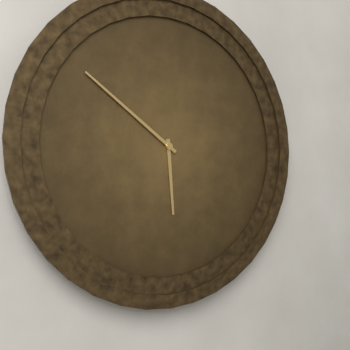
5.51
